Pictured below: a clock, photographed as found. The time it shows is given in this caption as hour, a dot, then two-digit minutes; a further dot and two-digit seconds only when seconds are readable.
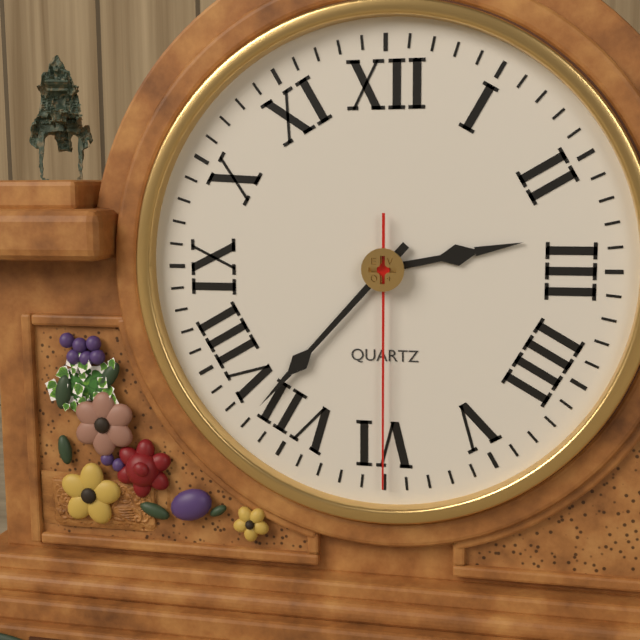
2.37.30
